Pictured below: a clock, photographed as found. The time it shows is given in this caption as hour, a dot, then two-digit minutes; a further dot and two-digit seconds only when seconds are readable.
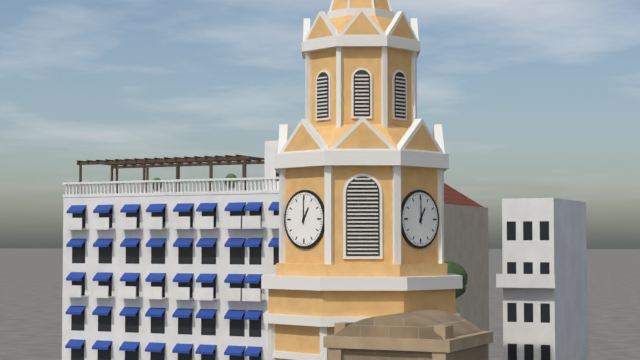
1.00
